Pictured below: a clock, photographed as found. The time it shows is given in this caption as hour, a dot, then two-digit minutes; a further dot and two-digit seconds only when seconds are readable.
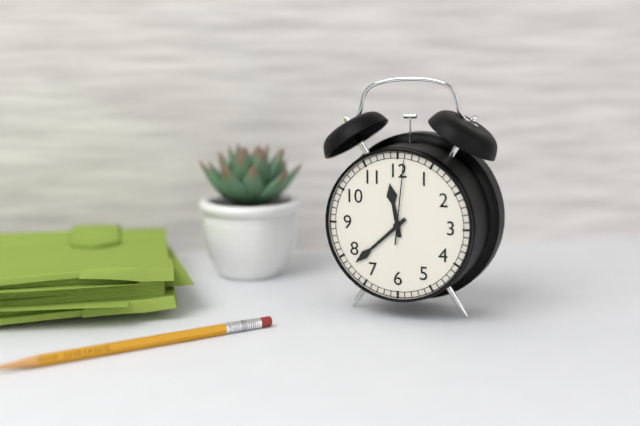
11.38.01
